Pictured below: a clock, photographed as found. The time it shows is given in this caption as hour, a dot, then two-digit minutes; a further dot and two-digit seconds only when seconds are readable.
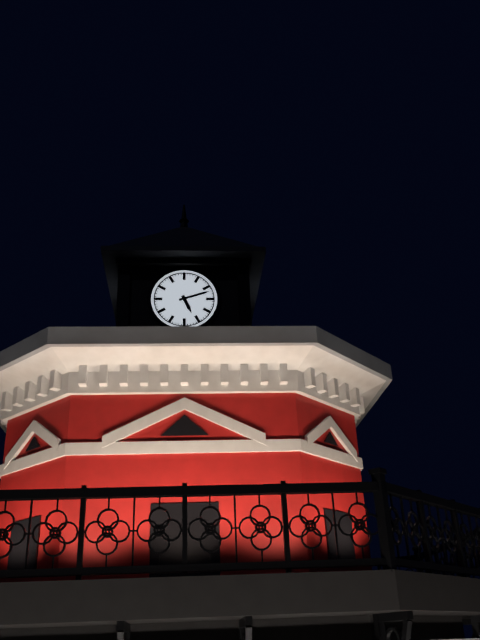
5.12
